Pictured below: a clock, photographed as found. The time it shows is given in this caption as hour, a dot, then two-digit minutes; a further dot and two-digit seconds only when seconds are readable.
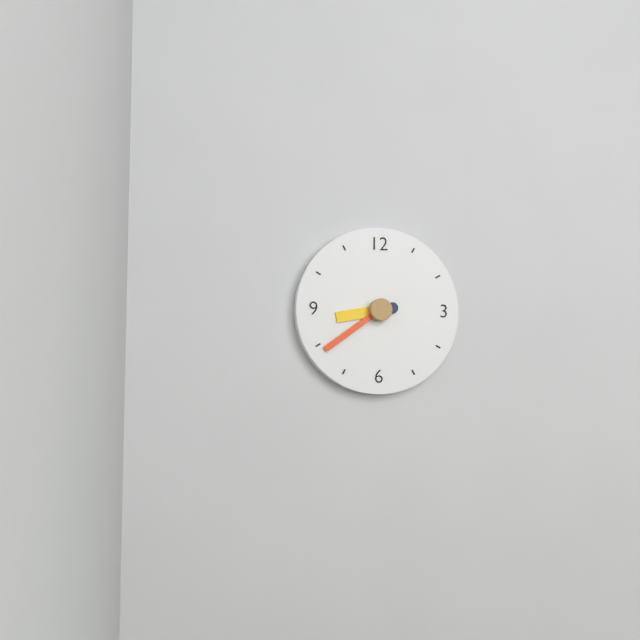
8.39
